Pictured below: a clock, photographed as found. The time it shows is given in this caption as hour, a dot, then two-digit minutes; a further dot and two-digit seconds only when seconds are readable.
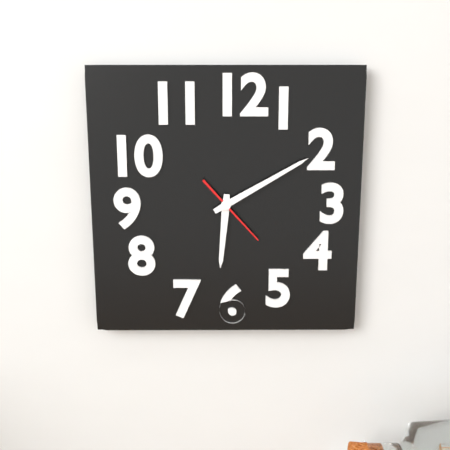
6.10.23
